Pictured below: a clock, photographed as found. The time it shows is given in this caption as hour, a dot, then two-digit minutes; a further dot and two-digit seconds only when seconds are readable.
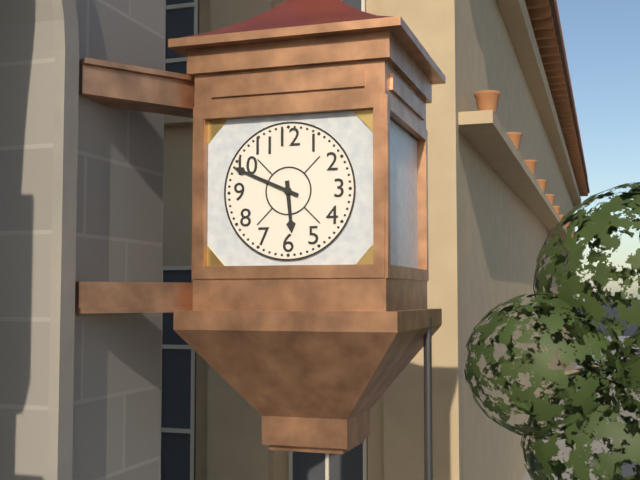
5.49
